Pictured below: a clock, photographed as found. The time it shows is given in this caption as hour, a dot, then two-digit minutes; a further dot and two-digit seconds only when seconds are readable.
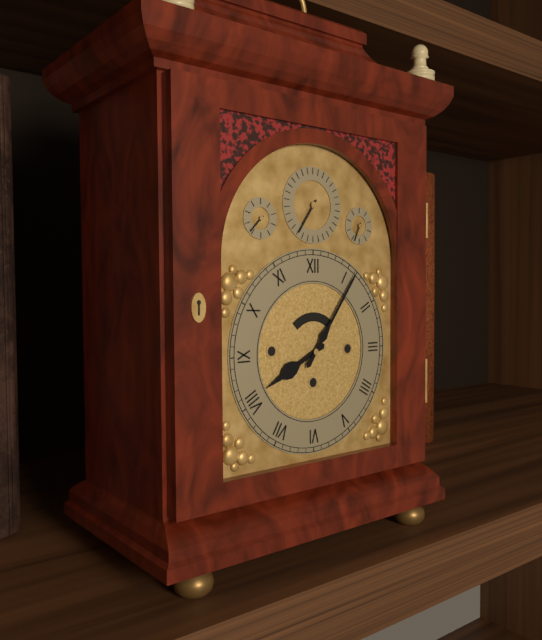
8.06
